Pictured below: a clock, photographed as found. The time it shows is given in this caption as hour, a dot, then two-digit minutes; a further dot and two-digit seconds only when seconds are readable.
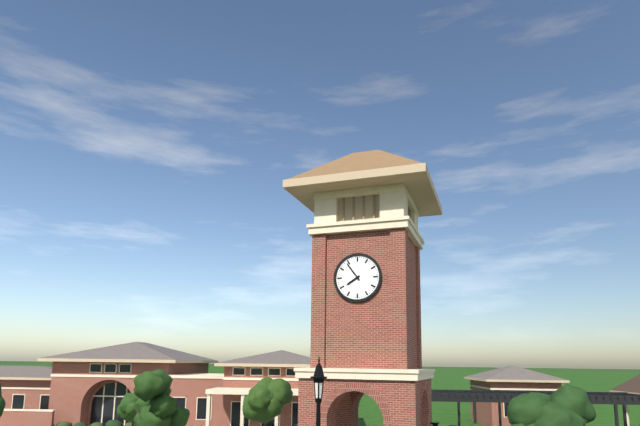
7.54
